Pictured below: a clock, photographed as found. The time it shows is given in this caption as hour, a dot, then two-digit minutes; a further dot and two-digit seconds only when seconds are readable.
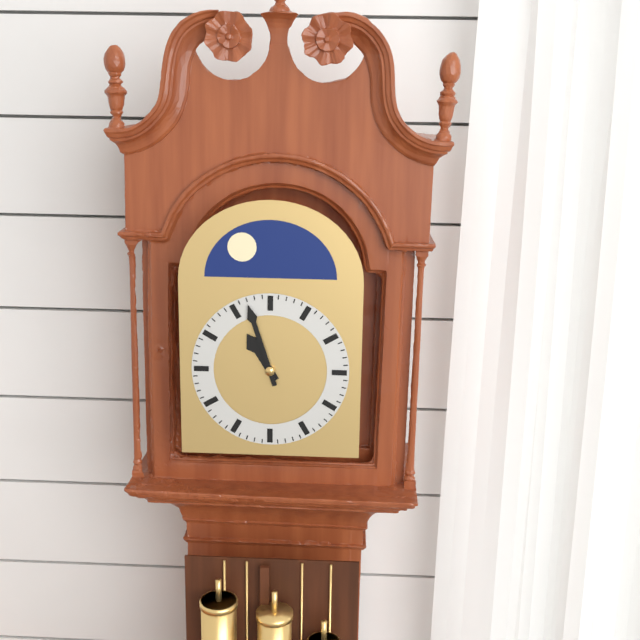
10.57
